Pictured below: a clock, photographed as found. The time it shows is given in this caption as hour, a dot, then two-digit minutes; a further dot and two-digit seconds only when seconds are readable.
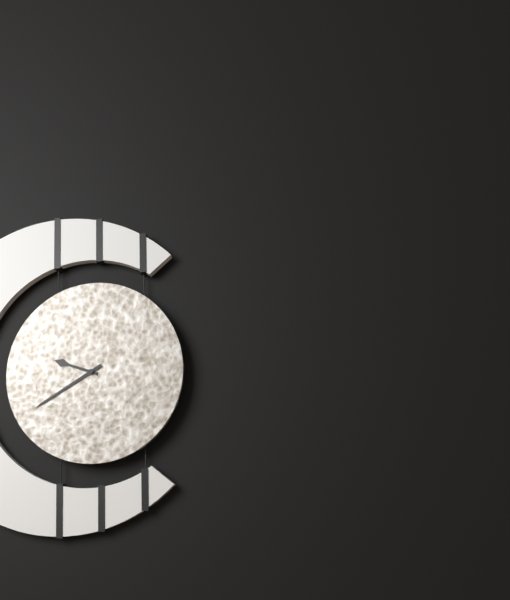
9.40
